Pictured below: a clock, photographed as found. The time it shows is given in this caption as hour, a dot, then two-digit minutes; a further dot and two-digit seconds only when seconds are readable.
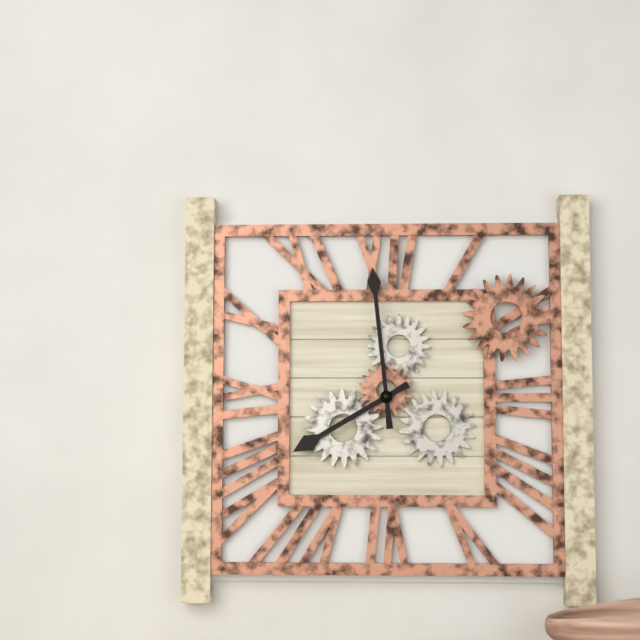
7.59
